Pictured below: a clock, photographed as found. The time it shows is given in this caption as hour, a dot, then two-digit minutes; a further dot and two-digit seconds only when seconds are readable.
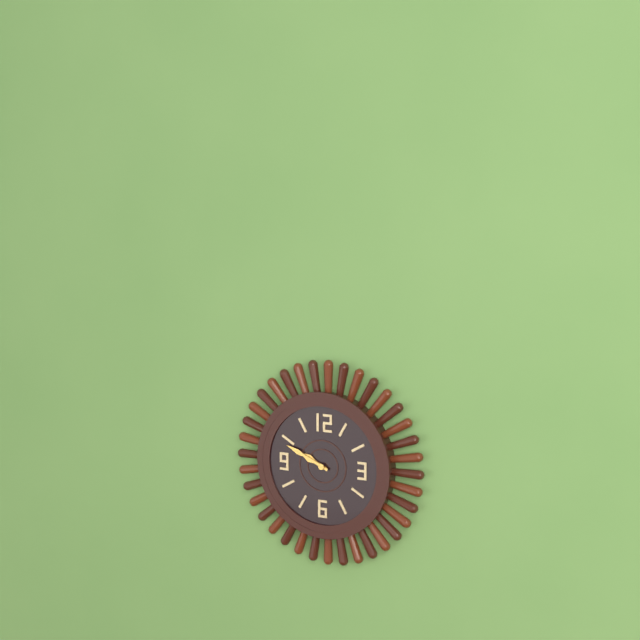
9.49
